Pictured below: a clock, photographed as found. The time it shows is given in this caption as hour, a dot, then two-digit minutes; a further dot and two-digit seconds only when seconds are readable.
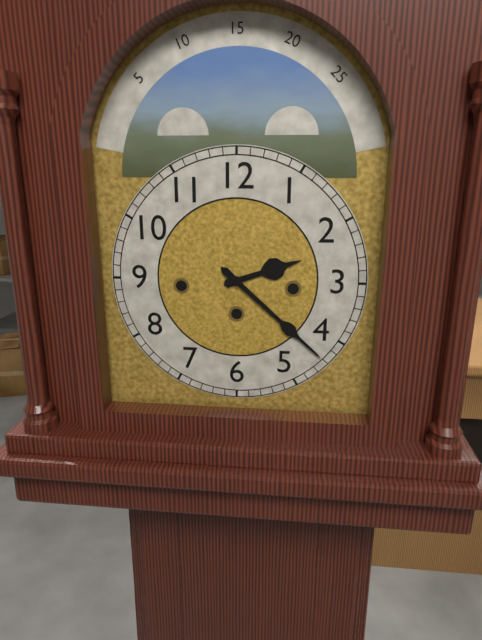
2.22
